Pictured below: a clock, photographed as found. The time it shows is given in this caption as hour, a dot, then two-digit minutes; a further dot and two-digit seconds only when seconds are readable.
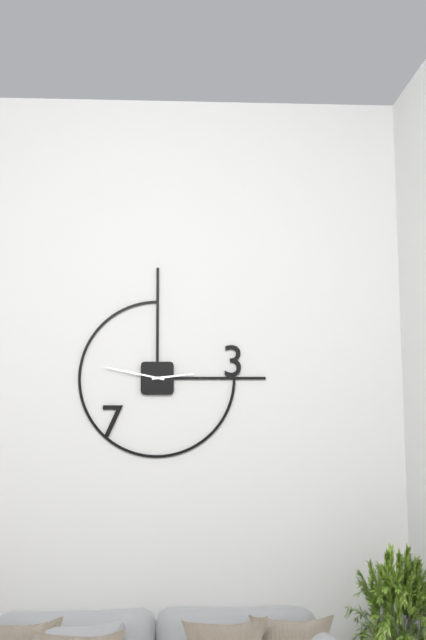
2.47
